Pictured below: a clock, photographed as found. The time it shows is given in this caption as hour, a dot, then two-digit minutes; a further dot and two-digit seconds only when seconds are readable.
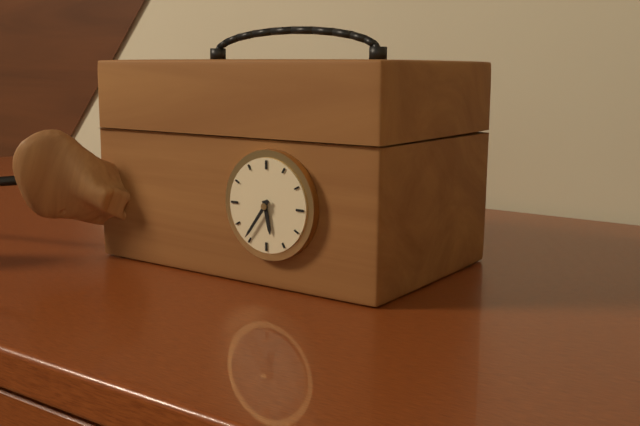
5.36
